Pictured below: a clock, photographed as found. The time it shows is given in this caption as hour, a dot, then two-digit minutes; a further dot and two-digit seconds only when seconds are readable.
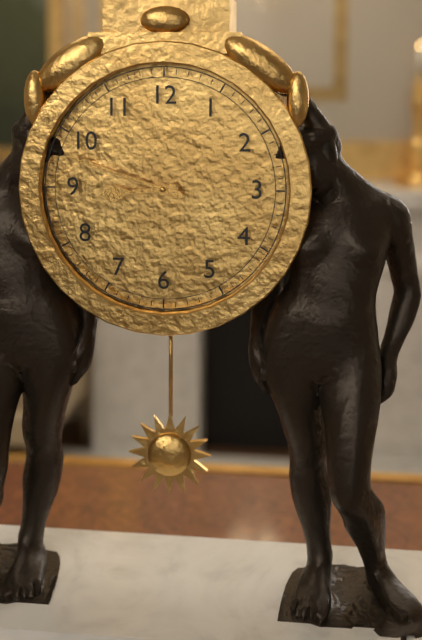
8.48
